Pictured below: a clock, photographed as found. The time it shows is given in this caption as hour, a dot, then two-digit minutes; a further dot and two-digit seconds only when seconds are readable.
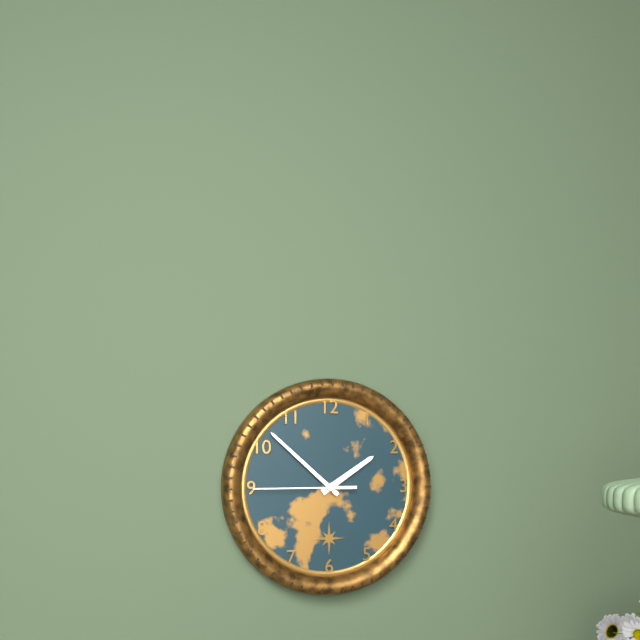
1.52.45
